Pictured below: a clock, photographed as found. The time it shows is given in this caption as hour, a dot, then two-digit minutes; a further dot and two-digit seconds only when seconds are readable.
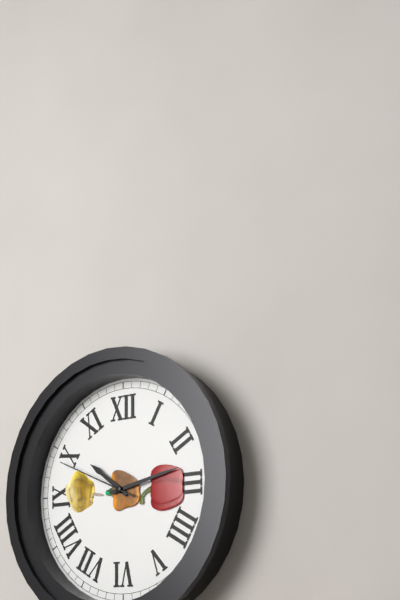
10.13.49
